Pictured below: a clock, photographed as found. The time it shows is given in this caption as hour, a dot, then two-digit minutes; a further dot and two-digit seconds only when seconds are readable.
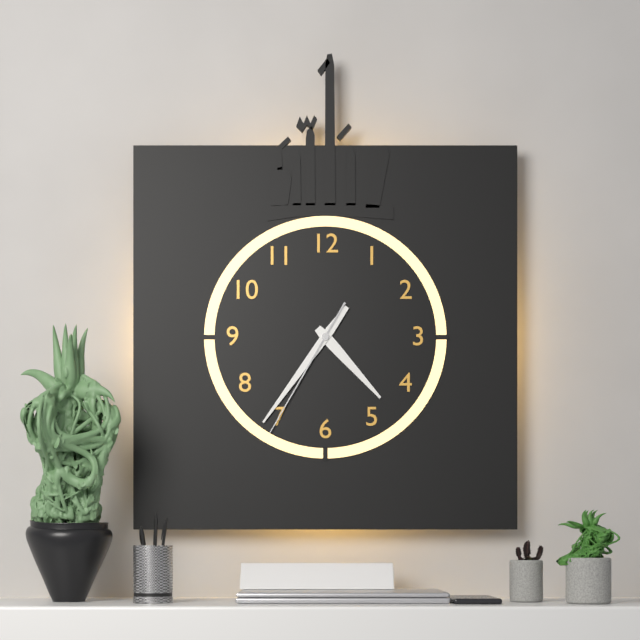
4.36.35
